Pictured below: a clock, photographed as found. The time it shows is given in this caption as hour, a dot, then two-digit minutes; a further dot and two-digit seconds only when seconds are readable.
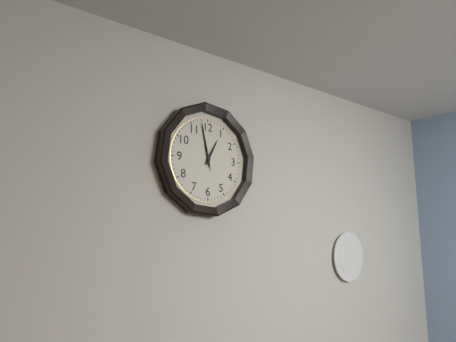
12.58
